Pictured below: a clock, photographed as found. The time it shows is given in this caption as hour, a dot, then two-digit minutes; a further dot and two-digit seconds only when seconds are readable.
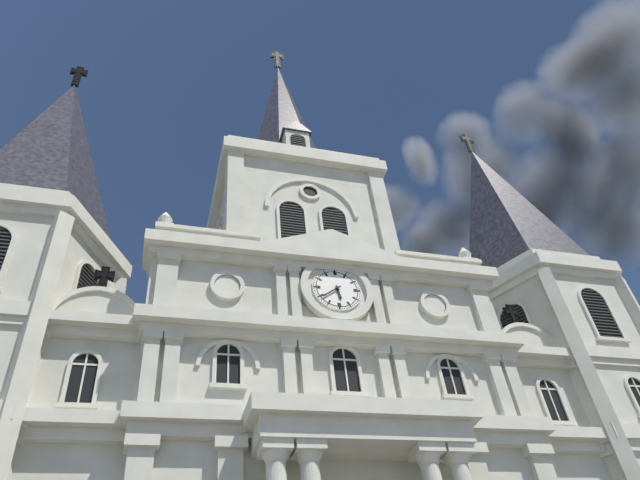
5.39
